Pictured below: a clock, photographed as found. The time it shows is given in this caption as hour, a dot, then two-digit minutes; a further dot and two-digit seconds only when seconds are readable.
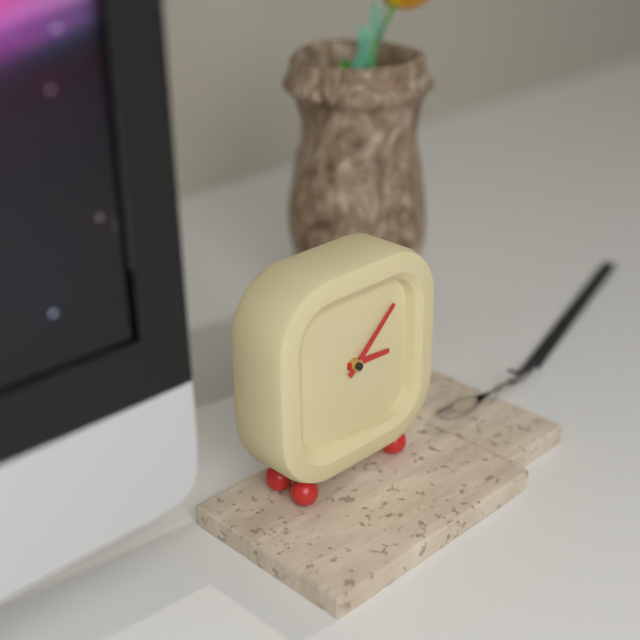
3.08
